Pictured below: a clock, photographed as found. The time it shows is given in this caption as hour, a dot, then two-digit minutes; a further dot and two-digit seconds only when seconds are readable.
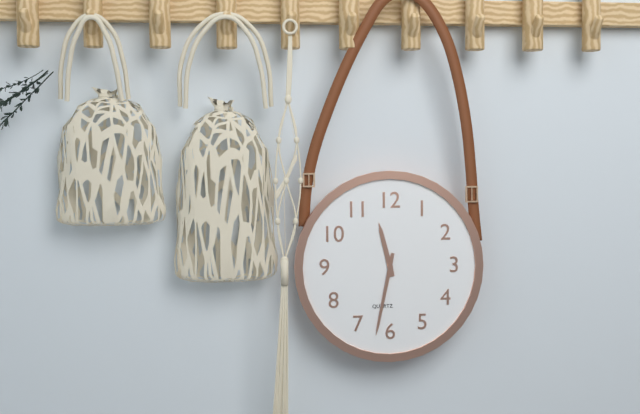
11.32
